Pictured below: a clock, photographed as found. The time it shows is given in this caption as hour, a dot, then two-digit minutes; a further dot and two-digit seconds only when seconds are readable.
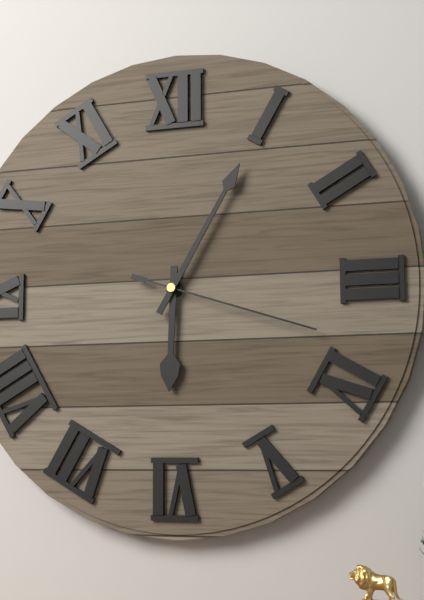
6.05.18
